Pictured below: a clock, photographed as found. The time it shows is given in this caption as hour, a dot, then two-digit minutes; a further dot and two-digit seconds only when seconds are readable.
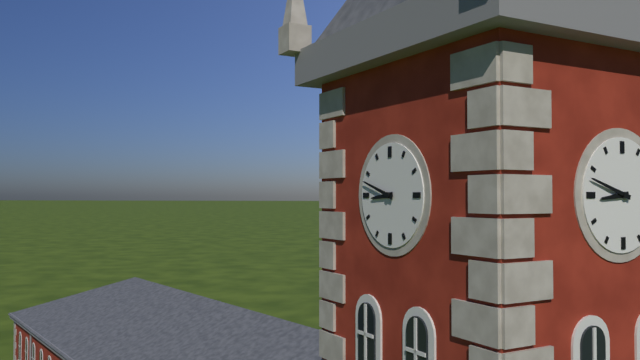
8.48
